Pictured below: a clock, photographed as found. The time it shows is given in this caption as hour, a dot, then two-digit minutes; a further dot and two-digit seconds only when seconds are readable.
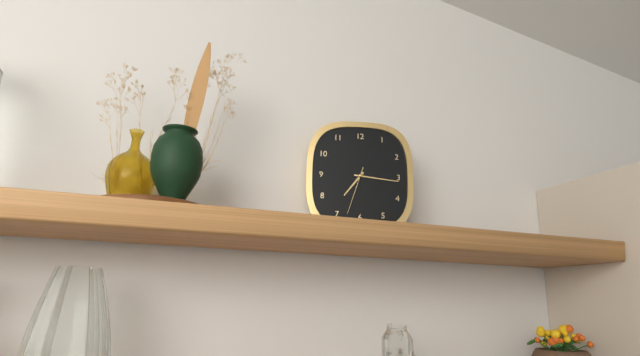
7.16.33
